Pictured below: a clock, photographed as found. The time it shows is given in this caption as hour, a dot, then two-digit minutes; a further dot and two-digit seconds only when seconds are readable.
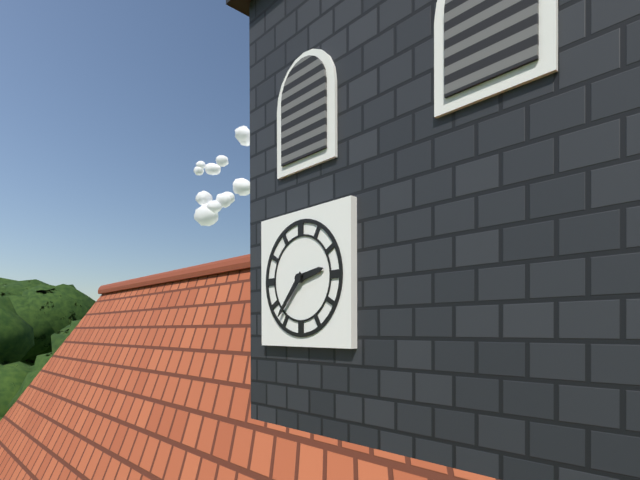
2.37
